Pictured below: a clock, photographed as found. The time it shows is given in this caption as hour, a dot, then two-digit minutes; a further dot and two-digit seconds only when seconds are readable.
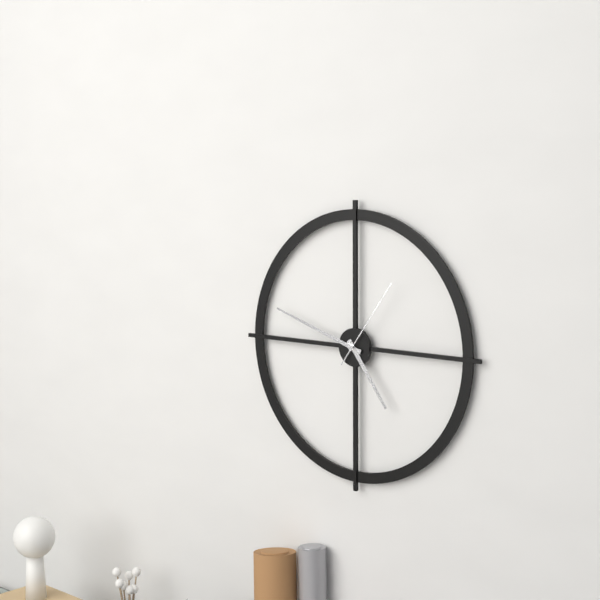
4.48.06
